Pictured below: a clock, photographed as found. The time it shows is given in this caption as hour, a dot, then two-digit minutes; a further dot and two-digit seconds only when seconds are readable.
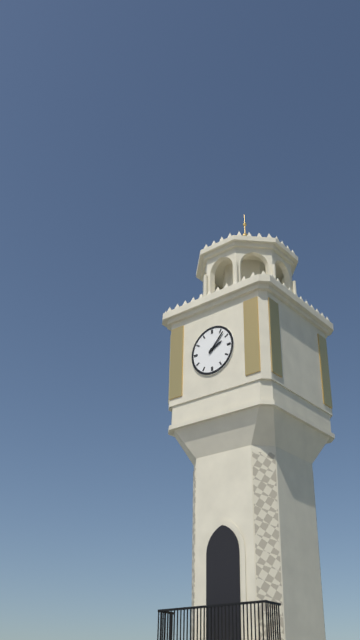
2.07
